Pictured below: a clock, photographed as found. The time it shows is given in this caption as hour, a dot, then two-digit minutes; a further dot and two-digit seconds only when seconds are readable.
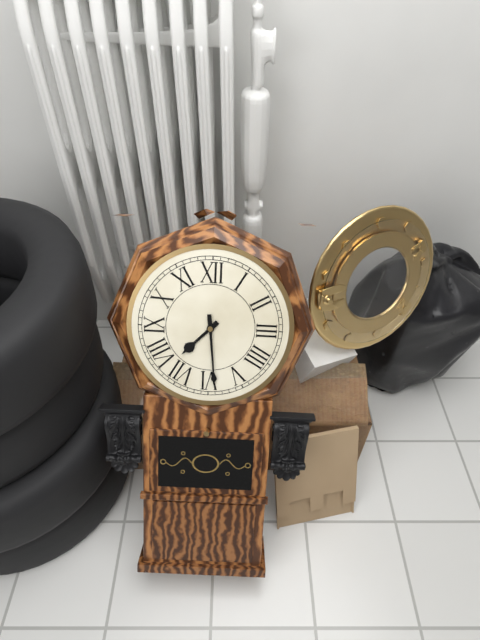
7.29
